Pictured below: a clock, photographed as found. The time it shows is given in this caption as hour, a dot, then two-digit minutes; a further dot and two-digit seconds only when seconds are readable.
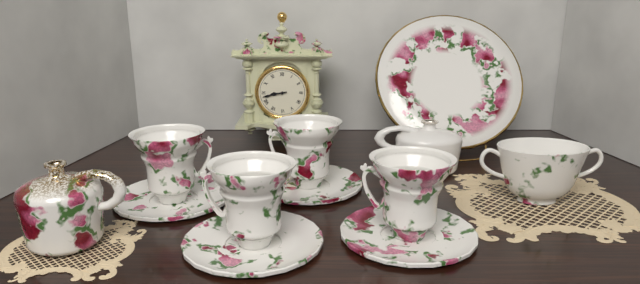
8.43
